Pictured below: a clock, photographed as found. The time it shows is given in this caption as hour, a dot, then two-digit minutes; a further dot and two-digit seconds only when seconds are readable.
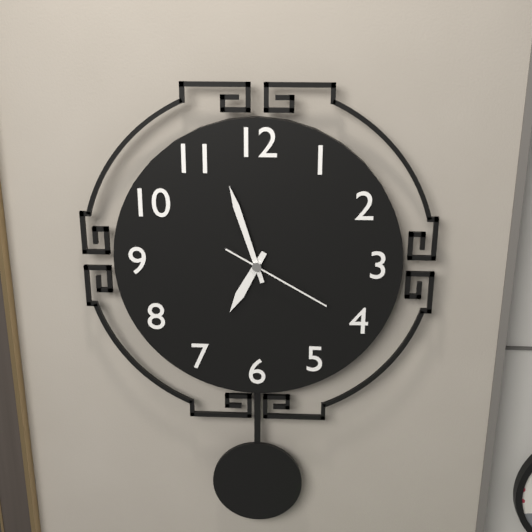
6.57.20
